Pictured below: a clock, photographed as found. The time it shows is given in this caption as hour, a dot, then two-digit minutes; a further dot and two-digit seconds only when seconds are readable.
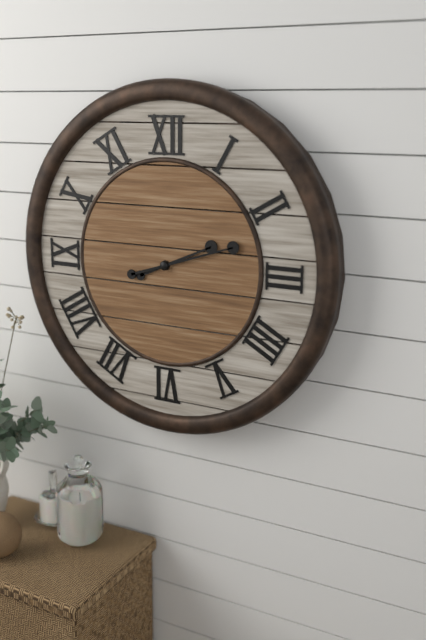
2.12
